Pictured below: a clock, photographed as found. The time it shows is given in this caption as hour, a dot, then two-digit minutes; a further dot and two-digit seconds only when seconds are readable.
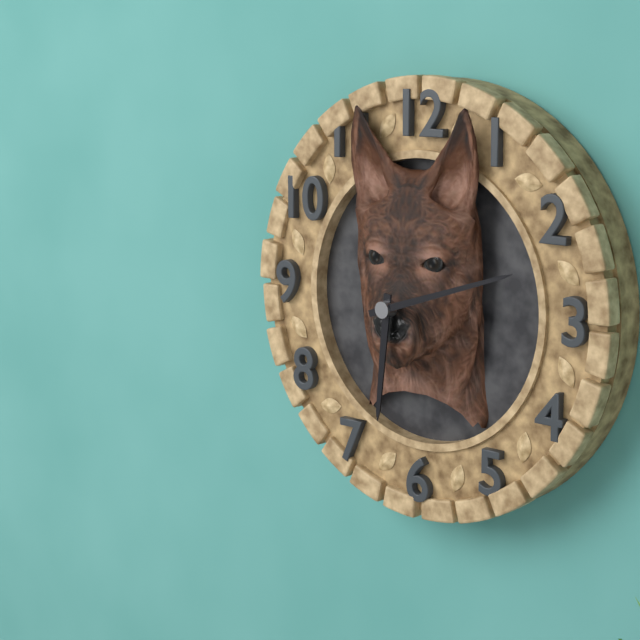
6.12
